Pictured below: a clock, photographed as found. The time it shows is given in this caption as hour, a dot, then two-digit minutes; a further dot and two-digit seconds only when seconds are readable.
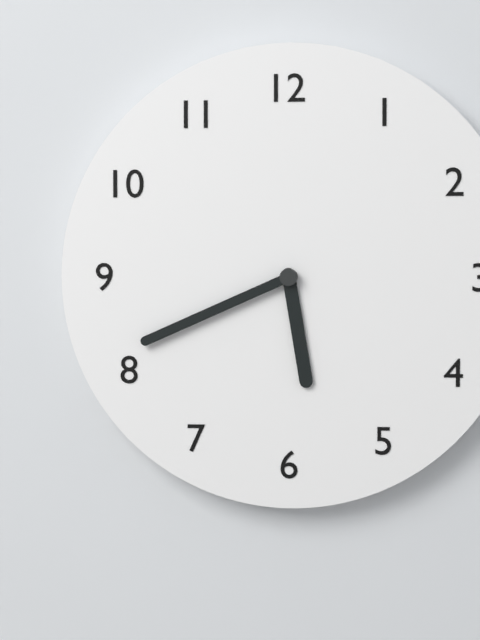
5.41
